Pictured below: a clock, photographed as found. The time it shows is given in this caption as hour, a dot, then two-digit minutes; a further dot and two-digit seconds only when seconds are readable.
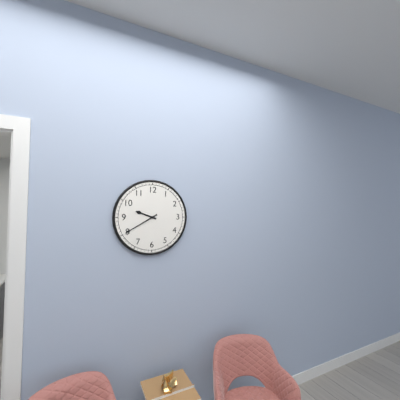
9.40
